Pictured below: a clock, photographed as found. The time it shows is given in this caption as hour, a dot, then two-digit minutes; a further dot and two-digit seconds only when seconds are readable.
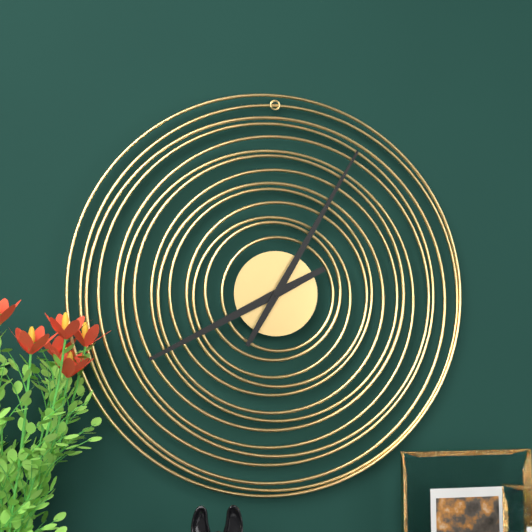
8.05
